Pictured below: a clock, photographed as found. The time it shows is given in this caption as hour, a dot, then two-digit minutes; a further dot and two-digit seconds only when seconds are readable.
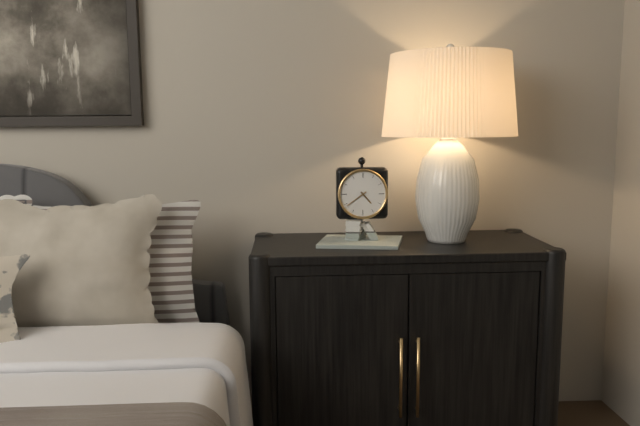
4.39
